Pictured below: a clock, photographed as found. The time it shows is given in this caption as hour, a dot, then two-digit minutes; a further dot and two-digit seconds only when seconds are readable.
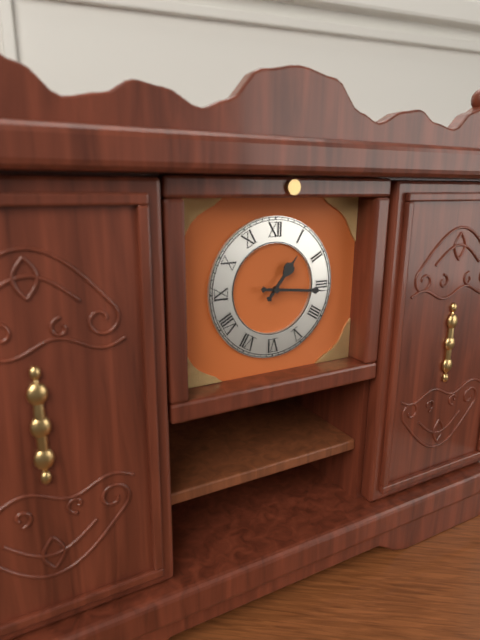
1.16
